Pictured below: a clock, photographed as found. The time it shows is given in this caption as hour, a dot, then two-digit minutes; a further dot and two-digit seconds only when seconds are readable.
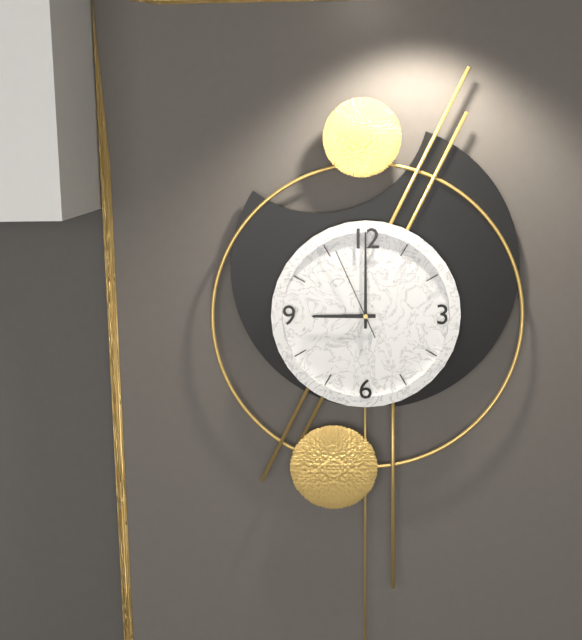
9.00.56
